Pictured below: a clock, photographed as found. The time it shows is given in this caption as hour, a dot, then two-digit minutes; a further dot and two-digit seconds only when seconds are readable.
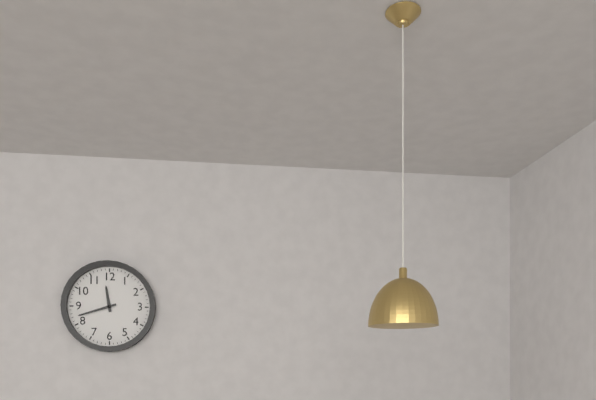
11.42
